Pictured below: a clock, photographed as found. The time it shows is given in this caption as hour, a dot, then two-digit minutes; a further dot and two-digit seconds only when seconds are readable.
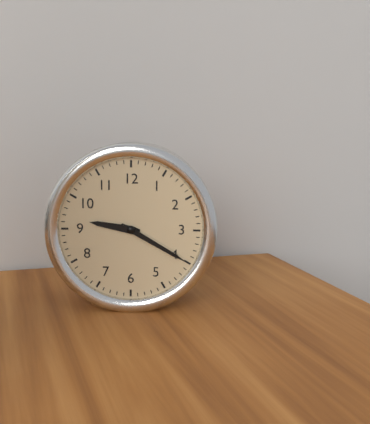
9.20
